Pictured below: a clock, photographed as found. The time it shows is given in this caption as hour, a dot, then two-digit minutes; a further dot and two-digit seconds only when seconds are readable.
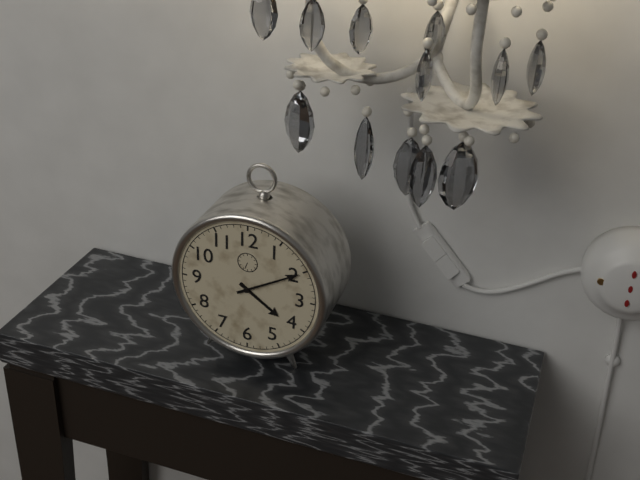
4.10
